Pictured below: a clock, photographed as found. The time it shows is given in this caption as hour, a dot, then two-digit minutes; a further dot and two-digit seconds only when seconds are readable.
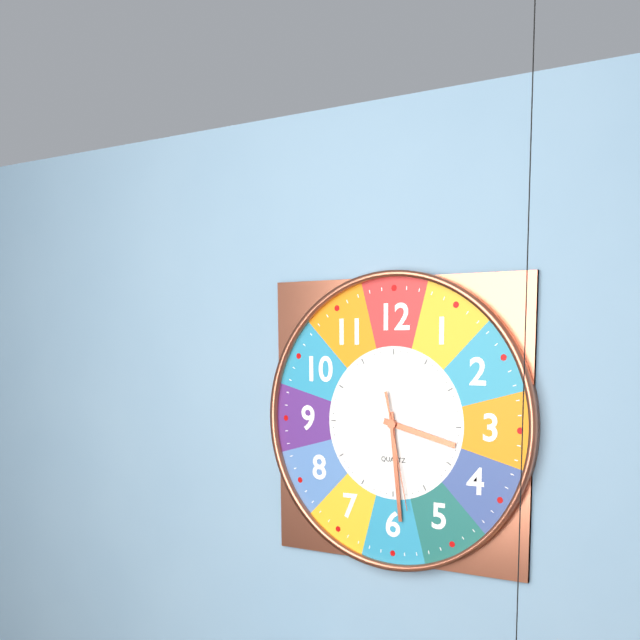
3.29.28
